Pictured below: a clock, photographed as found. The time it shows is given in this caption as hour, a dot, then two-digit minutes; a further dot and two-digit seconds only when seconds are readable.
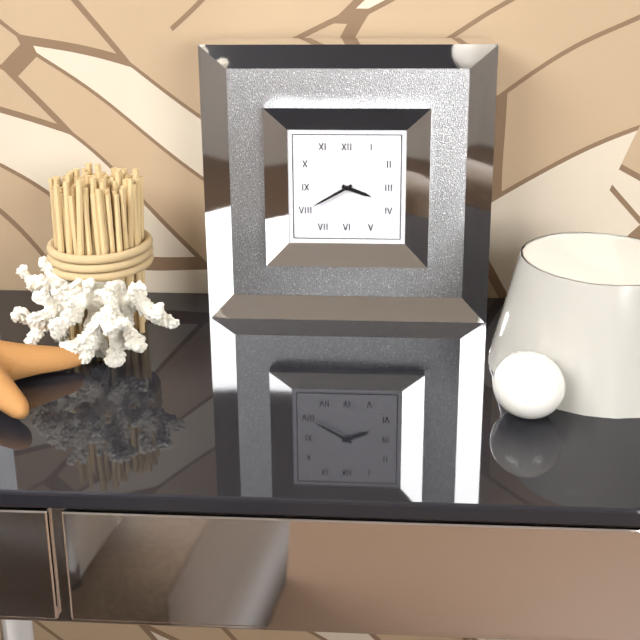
3.40
